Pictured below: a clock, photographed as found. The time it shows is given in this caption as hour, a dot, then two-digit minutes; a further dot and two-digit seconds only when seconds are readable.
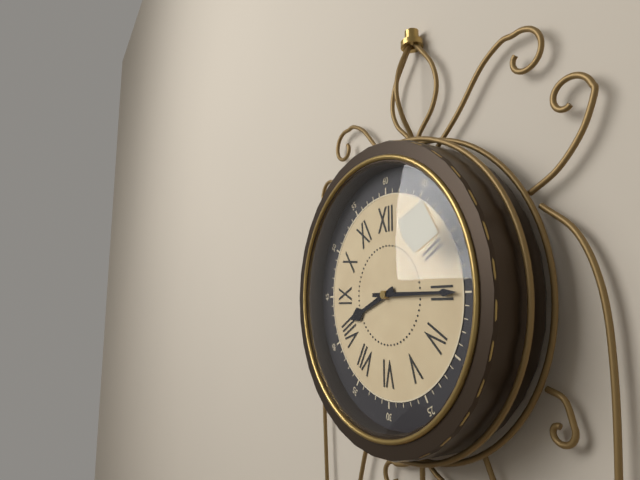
8.15
